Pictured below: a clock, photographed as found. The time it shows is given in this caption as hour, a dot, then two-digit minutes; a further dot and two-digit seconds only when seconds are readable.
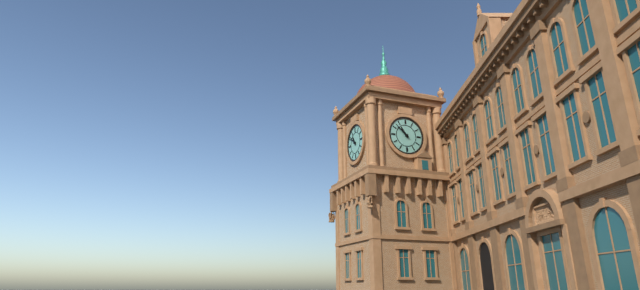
10.52
